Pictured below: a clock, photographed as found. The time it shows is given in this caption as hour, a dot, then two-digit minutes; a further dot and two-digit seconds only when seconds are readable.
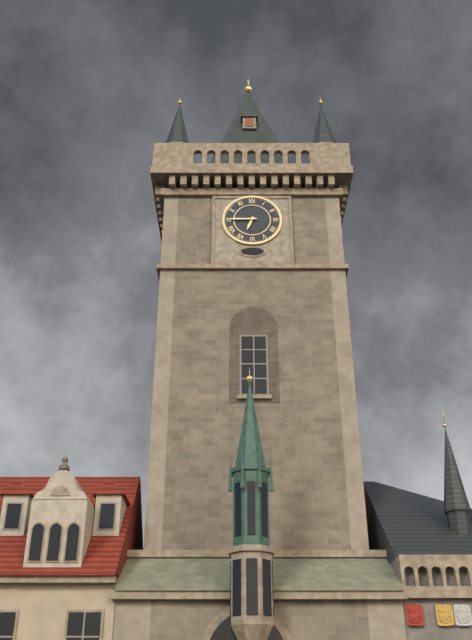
6.45
